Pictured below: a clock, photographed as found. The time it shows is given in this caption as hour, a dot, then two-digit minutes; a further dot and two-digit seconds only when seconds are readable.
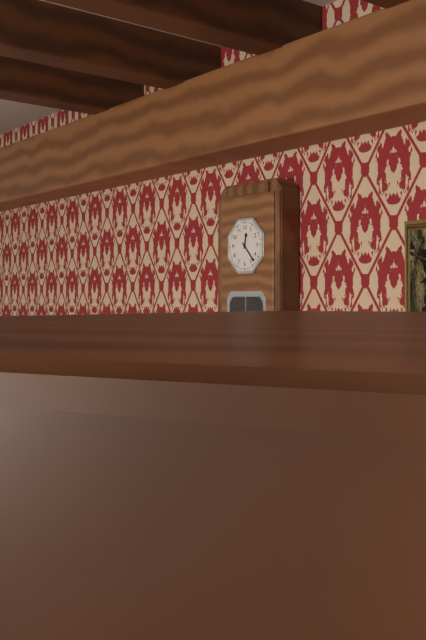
12.23
